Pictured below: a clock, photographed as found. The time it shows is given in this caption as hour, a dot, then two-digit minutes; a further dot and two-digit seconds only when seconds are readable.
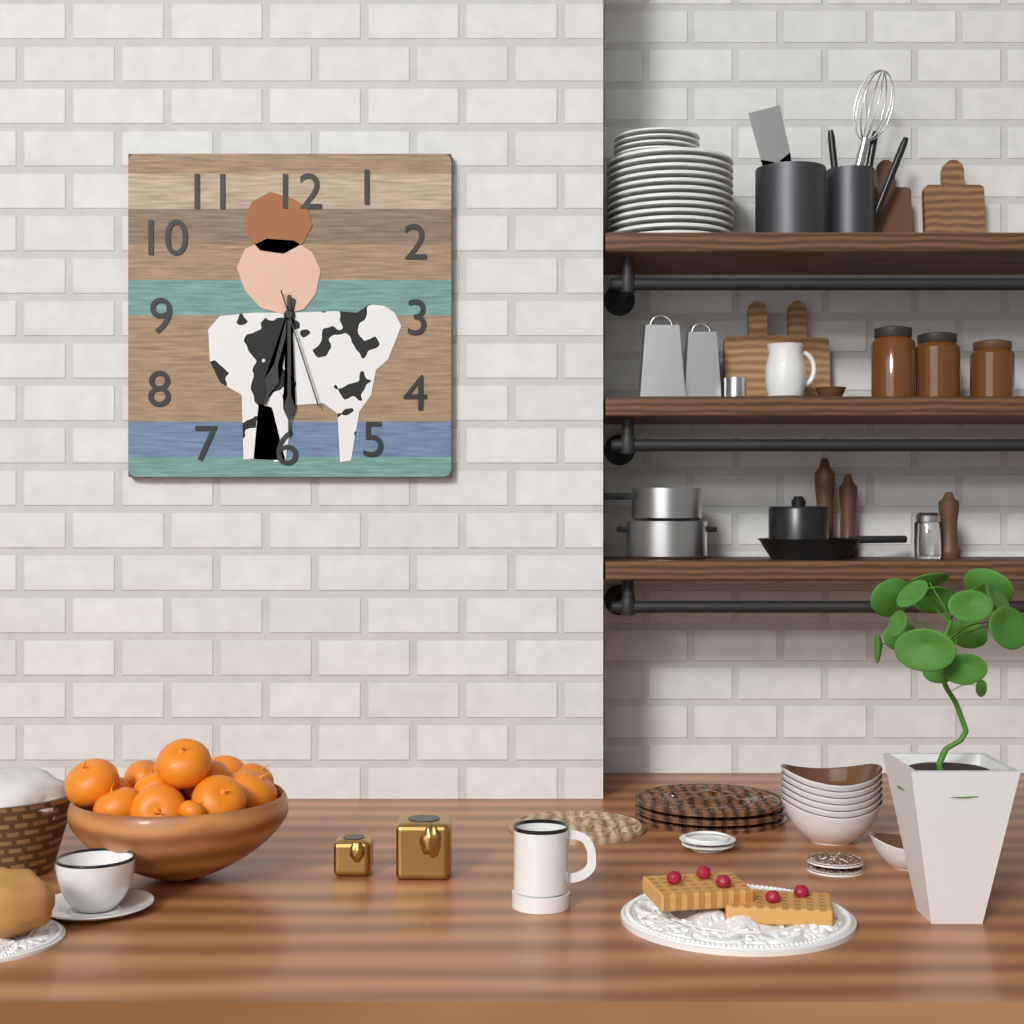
6.30.27
